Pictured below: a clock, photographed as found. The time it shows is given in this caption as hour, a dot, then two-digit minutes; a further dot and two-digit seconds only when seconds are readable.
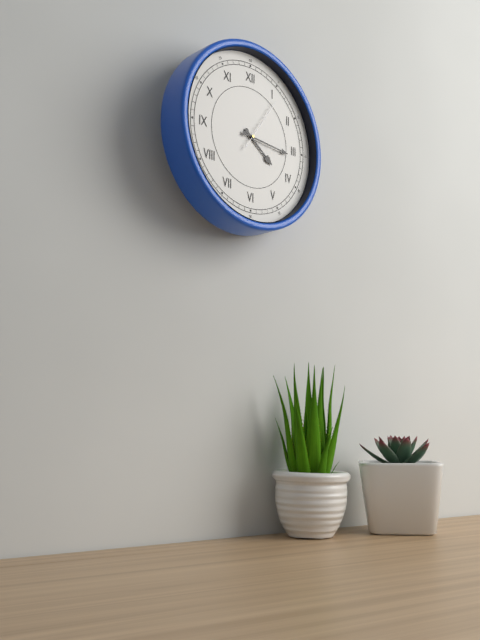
4.16.06
